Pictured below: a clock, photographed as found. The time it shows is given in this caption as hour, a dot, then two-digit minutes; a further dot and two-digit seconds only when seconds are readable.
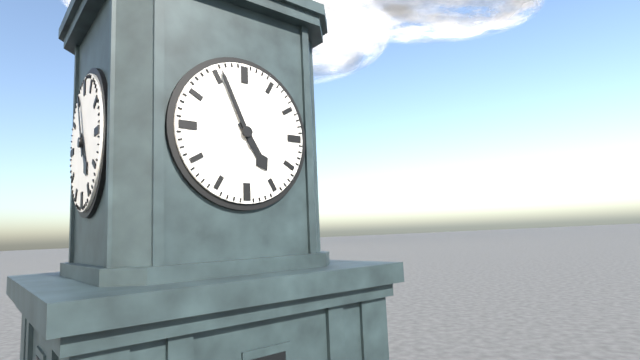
4.56
